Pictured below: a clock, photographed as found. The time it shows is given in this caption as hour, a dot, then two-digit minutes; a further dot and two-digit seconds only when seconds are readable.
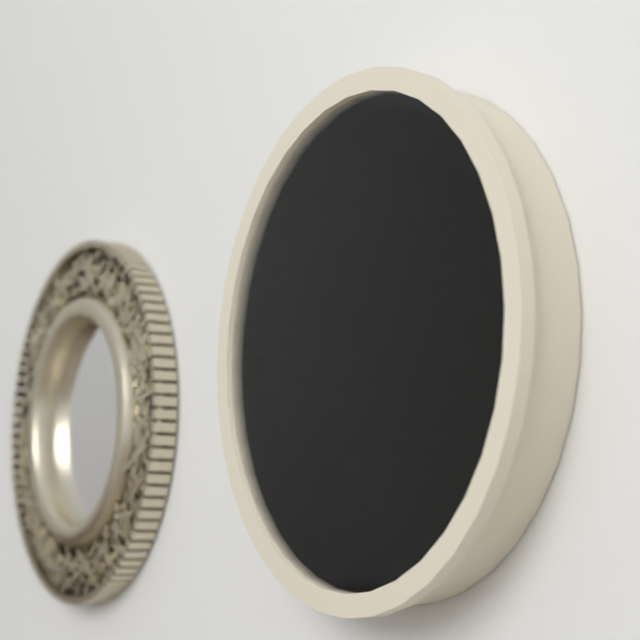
8.03.45
